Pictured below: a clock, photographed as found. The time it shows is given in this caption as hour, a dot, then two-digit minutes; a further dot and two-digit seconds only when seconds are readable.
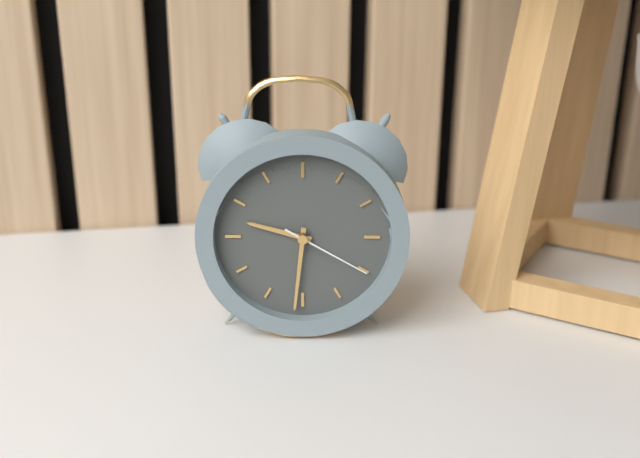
9.31.20
